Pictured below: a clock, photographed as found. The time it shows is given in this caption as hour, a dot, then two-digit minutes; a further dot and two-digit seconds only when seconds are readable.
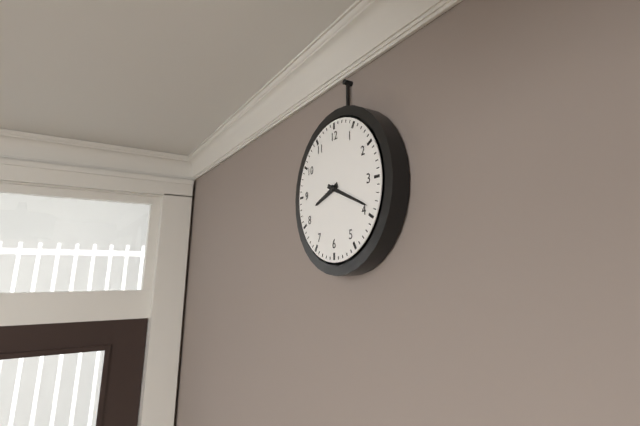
8.19
